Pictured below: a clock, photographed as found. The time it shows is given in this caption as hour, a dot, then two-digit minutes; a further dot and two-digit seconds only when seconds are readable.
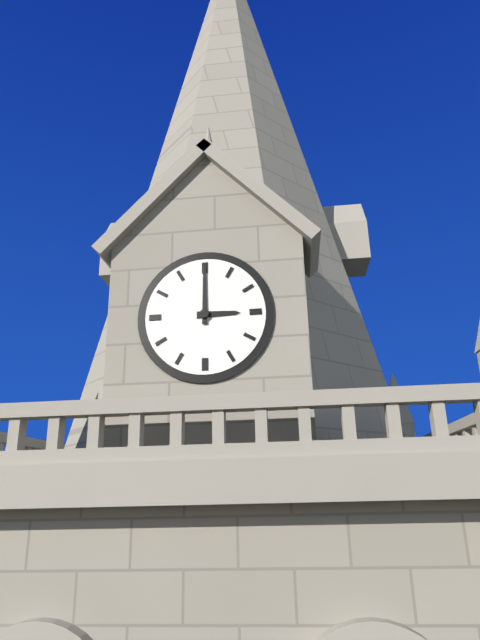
3.00
